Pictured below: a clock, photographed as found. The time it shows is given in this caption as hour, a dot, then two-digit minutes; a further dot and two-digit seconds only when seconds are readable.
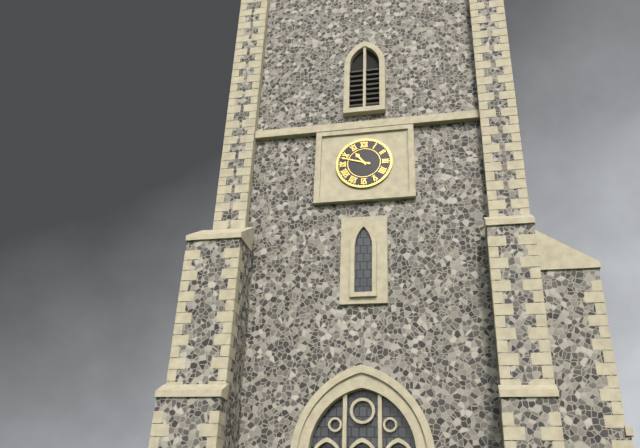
10.48
